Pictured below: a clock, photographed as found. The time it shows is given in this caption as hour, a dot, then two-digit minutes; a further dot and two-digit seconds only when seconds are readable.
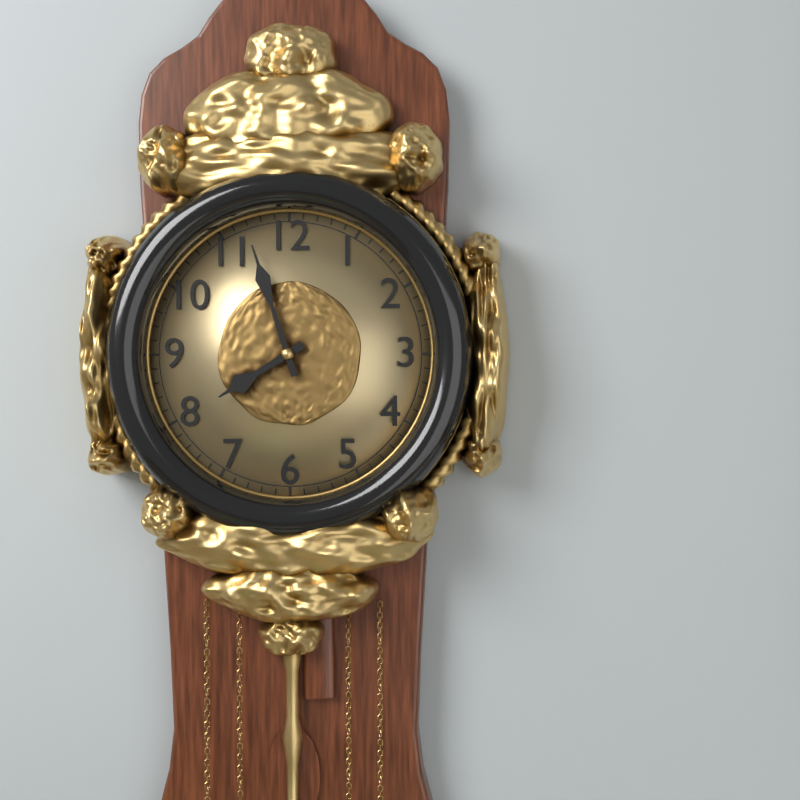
7.57
